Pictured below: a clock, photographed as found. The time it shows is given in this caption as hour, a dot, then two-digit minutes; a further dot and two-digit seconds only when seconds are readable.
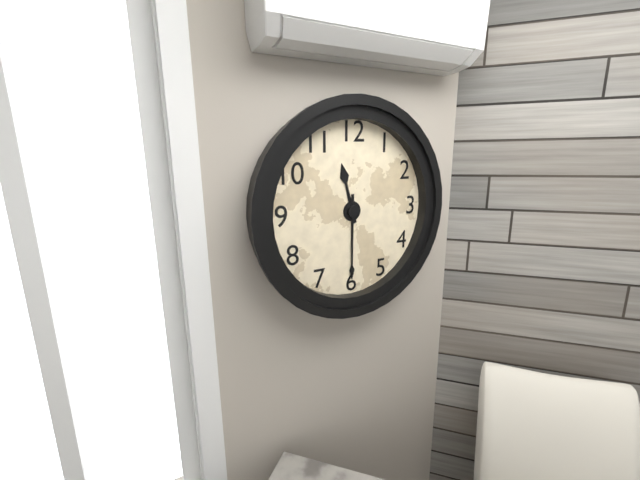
11.30
